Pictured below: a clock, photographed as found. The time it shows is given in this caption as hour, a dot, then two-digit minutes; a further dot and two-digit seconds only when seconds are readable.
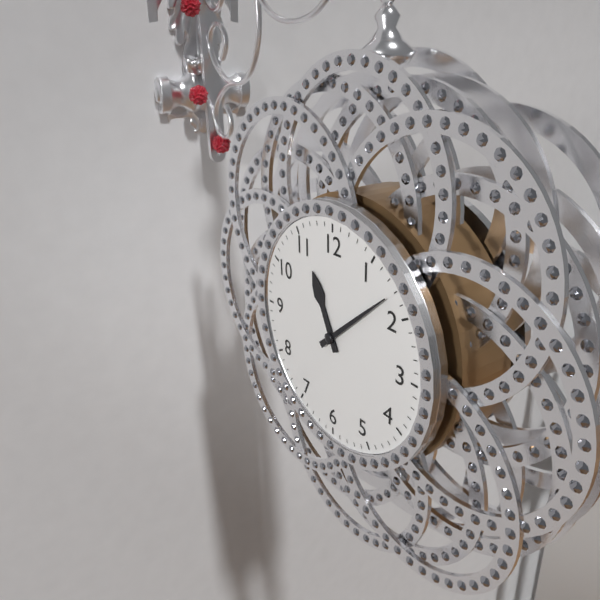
11.08
